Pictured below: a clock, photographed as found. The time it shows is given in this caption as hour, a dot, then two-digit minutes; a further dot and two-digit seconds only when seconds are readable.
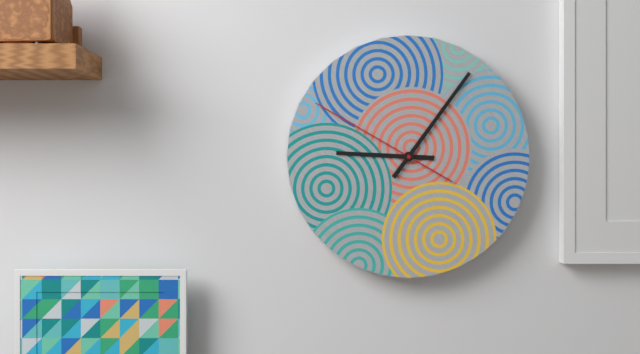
9.06.50
